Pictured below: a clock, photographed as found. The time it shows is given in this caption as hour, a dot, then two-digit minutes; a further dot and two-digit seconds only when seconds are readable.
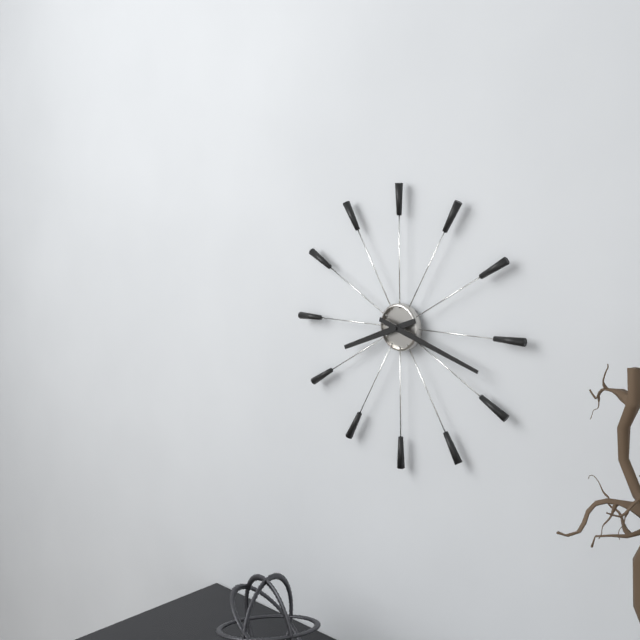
8.18
